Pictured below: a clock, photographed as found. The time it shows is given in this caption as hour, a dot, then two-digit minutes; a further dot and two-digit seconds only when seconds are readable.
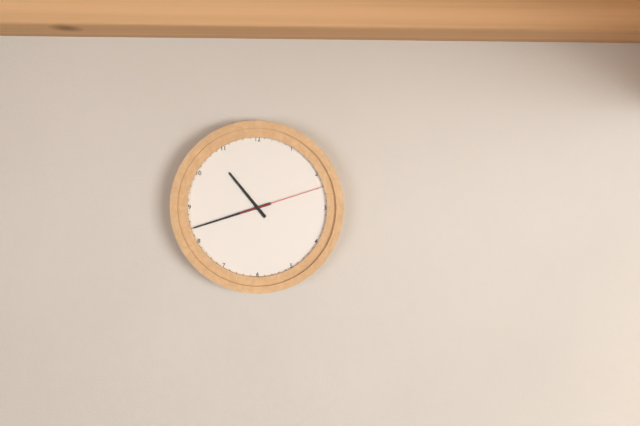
10.42.12
